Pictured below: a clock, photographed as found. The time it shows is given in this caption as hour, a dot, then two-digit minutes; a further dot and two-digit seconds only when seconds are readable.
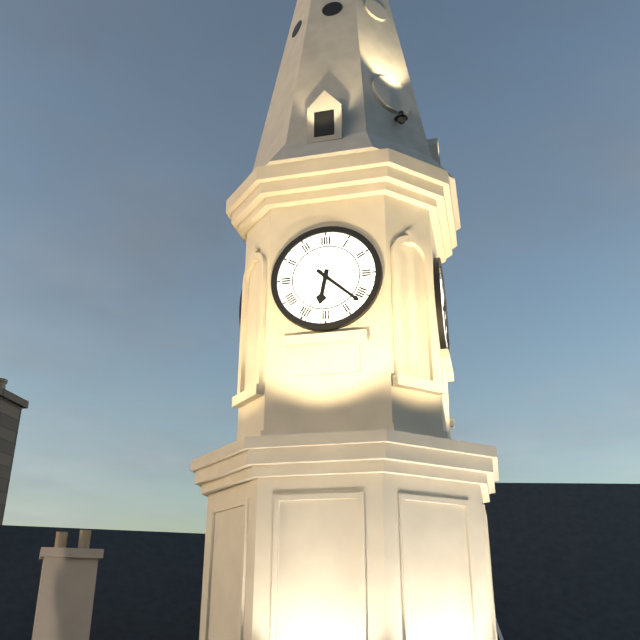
6.22
